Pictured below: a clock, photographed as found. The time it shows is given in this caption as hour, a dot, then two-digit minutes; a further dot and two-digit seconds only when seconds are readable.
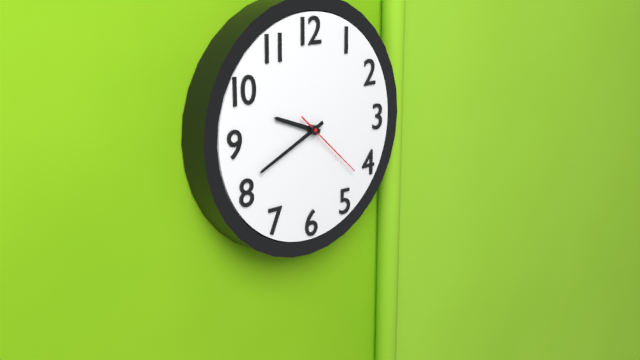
9.41.22
